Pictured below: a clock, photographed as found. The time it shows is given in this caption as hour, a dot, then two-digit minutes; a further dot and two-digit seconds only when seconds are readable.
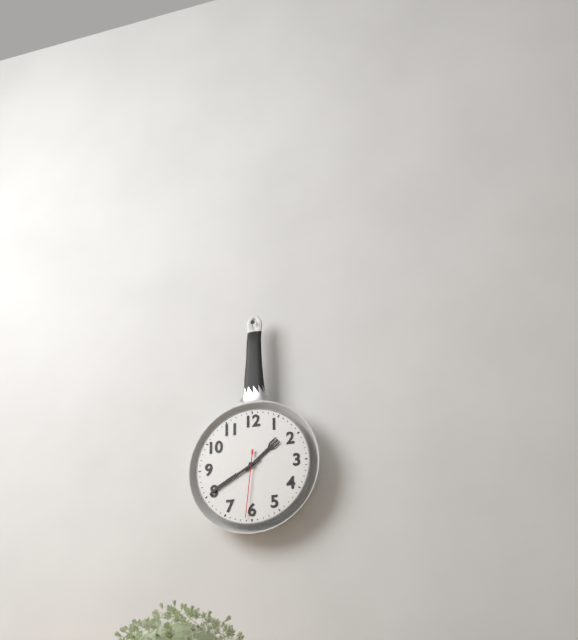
1.40.31
